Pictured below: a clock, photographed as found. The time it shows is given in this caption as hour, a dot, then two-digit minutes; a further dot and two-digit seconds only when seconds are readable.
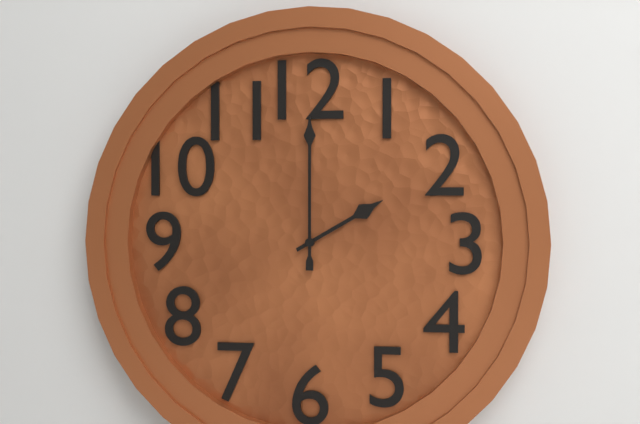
2.00
